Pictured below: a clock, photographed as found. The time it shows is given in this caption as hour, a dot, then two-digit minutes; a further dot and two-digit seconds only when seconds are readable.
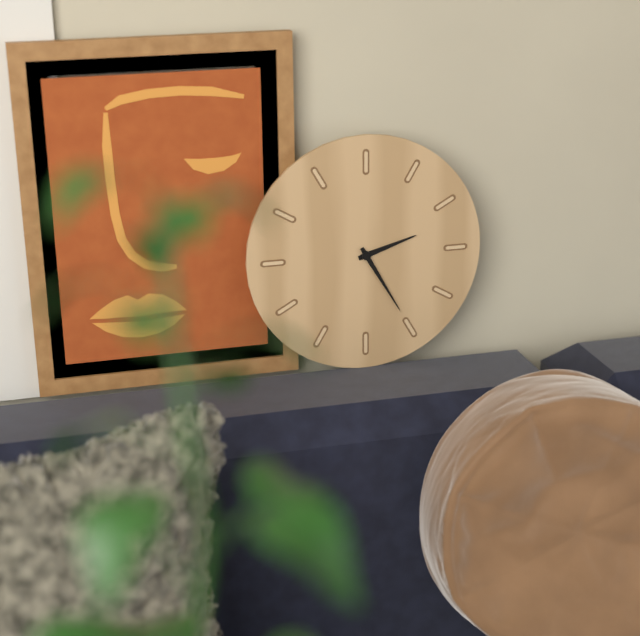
2.25
